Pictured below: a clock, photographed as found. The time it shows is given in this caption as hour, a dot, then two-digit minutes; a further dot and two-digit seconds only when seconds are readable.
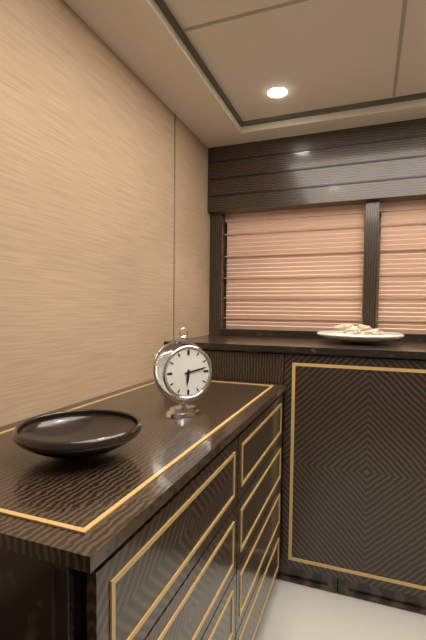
6.13
